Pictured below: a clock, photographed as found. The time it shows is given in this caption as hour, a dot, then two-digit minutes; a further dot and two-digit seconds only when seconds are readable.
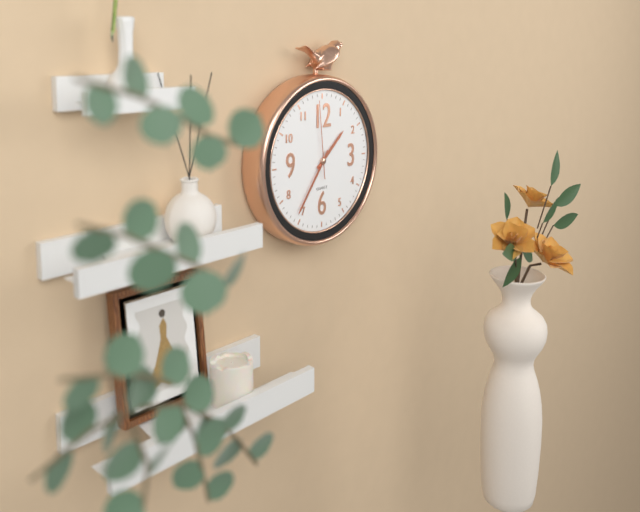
1.36.59
